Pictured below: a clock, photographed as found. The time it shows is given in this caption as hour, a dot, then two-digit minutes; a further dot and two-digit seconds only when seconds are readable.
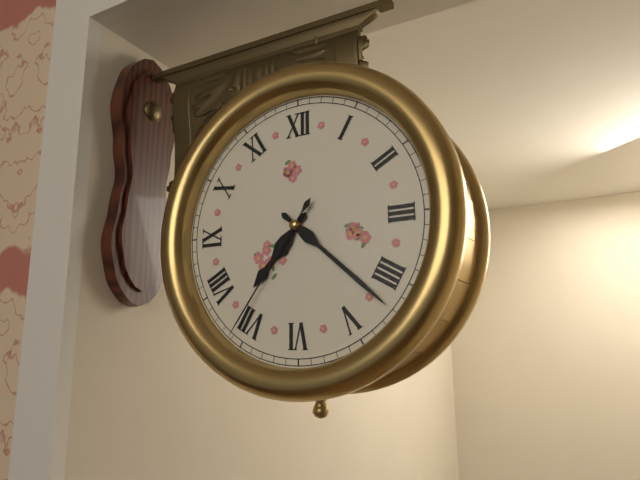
7.22.36
